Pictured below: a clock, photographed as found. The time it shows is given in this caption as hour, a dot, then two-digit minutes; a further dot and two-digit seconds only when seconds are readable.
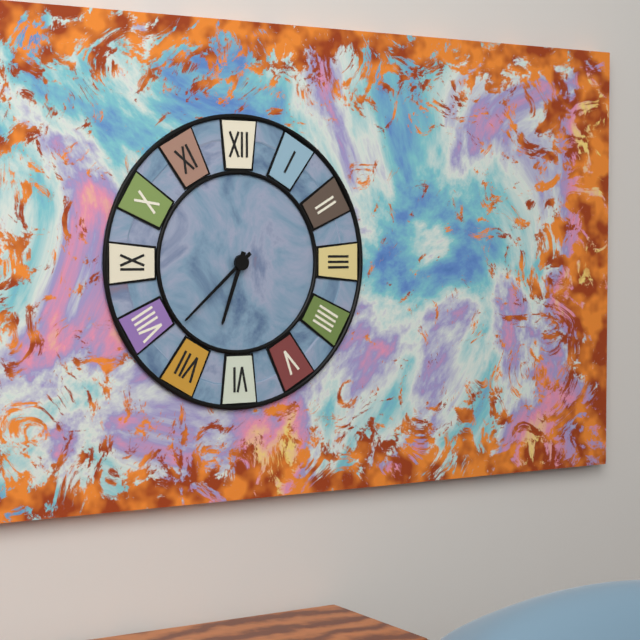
6.38
